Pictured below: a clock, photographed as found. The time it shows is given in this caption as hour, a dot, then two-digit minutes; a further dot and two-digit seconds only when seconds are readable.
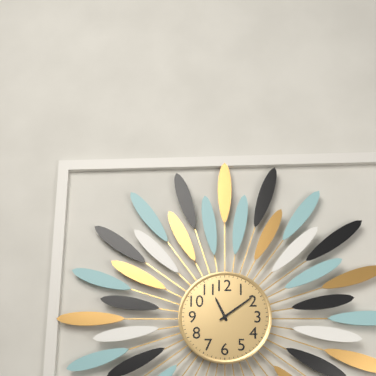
11.09
